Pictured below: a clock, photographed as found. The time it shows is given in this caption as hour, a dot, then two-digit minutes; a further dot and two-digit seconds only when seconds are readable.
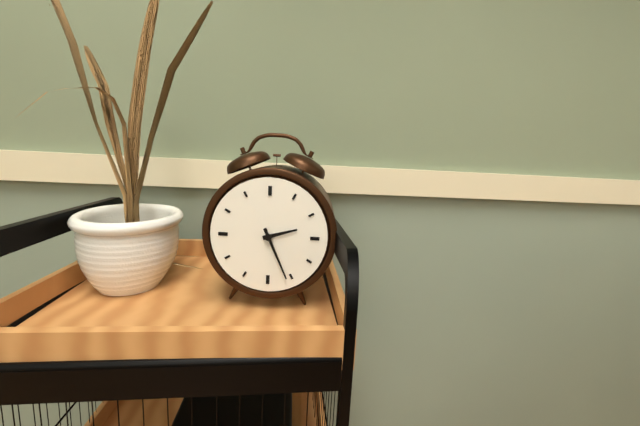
2.26
